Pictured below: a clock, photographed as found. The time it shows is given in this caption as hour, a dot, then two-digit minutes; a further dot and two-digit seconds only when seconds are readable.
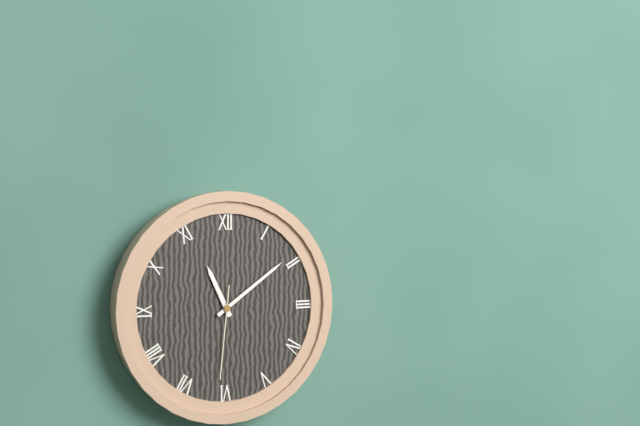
11.09.31
